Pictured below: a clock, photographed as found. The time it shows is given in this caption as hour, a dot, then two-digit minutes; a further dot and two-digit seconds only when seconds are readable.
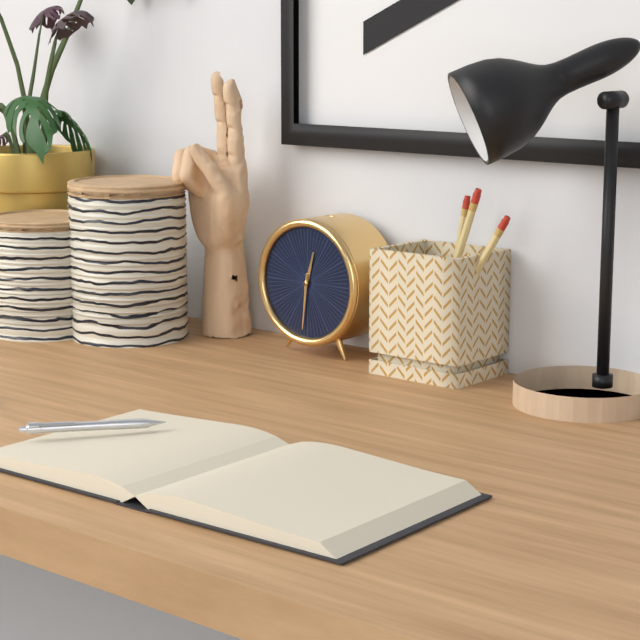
12.31
